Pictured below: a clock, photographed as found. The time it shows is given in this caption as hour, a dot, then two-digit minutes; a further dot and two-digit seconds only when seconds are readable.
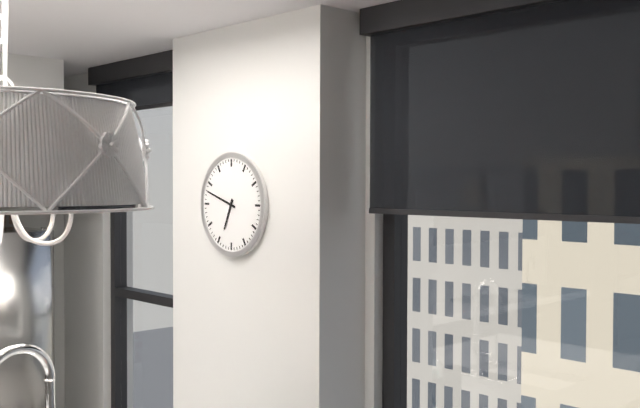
6.48
